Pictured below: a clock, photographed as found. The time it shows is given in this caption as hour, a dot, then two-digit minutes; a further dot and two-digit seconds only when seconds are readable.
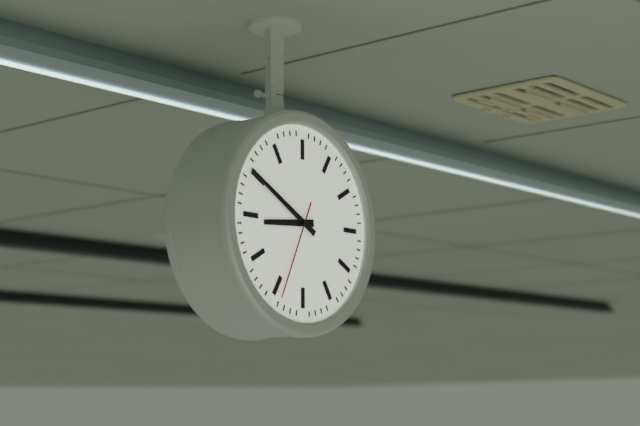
8.50.34
